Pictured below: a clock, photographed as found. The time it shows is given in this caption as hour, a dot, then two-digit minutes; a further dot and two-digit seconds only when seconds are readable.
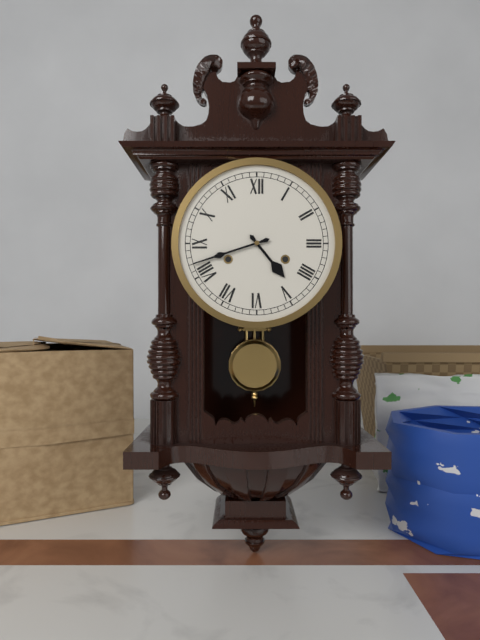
4.42
